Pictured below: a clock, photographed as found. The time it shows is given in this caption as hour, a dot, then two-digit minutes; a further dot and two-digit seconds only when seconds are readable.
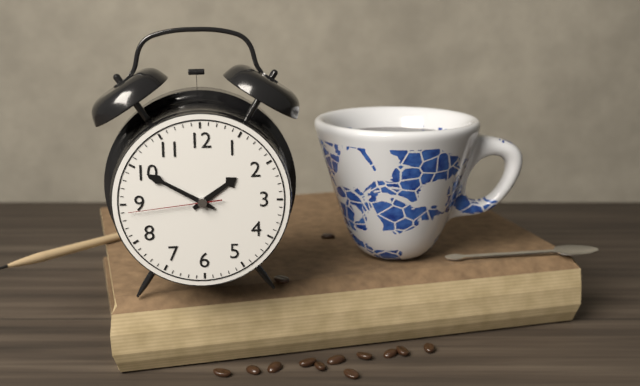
1.50.44
